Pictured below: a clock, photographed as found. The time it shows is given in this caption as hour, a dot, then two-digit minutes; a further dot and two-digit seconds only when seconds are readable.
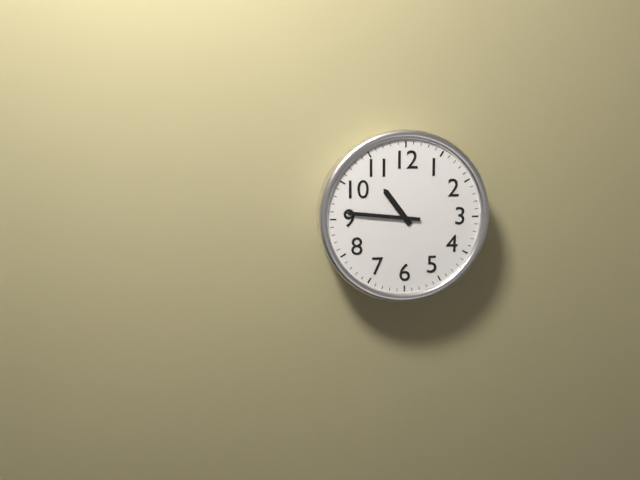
10.46
